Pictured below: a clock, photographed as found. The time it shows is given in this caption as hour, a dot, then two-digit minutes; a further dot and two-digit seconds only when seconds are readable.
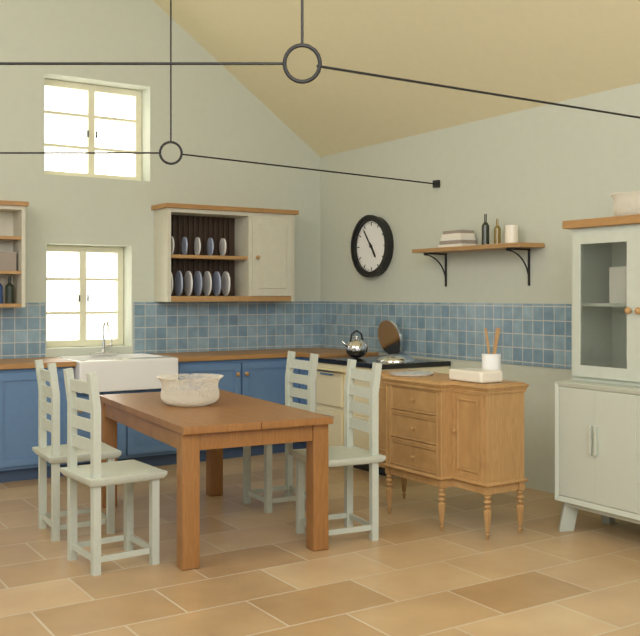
4.54
